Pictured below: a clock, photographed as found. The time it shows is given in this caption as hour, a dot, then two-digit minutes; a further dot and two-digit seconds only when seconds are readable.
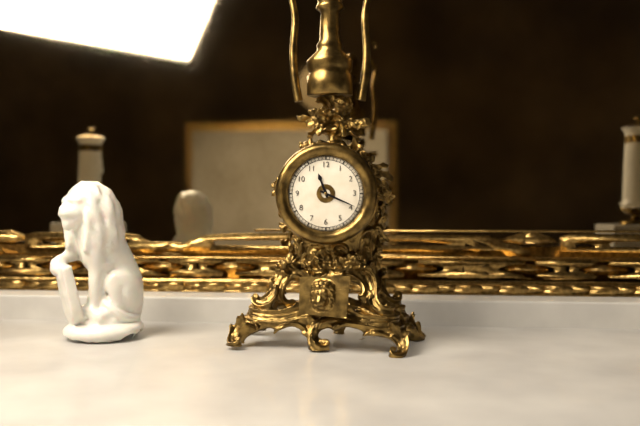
11.19
